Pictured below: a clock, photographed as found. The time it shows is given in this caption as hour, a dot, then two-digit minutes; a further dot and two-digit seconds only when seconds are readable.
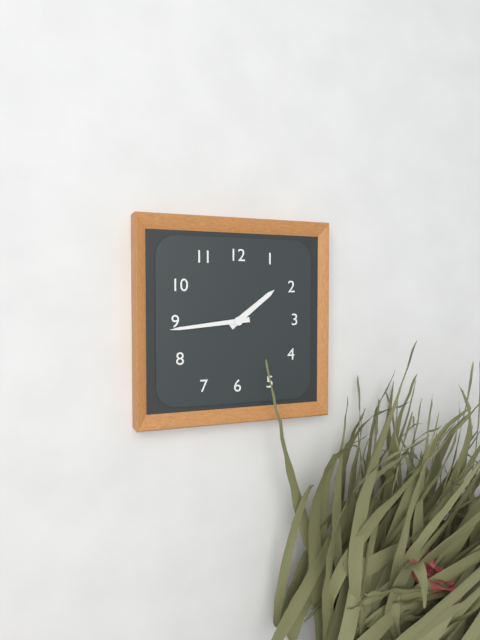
1.44
